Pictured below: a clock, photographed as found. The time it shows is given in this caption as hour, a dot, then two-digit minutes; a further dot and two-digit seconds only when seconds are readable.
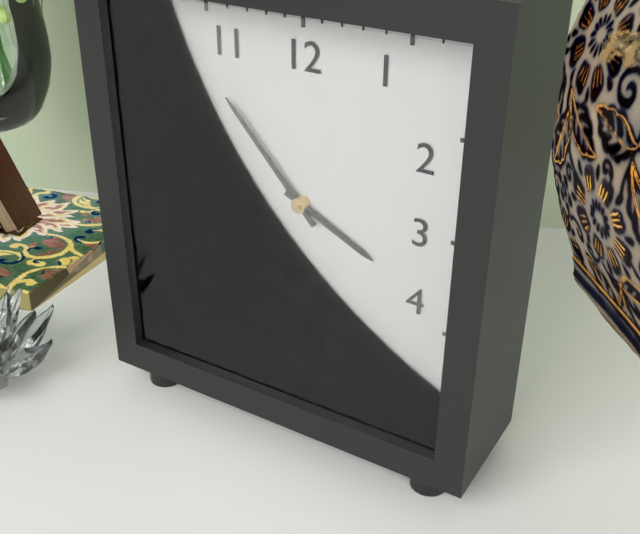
3.53
